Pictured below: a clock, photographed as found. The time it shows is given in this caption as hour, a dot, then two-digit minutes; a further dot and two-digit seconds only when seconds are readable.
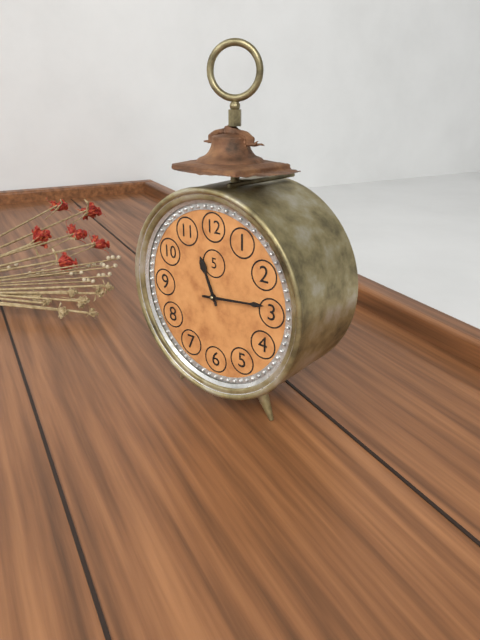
11.14
